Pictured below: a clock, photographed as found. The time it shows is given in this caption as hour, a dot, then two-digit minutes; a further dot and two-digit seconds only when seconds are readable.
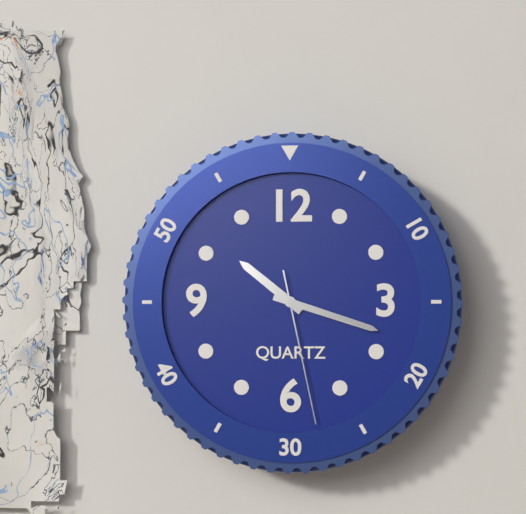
10.18.28
